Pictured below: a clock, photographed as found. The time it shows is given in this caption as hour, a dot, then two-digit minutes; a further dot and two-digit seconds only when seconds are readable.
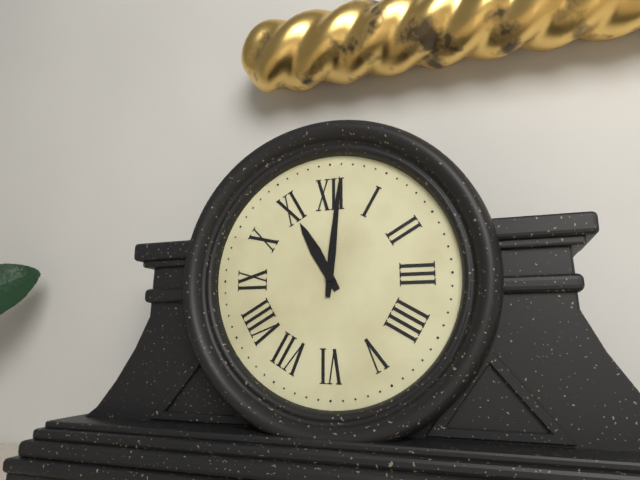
11.01
